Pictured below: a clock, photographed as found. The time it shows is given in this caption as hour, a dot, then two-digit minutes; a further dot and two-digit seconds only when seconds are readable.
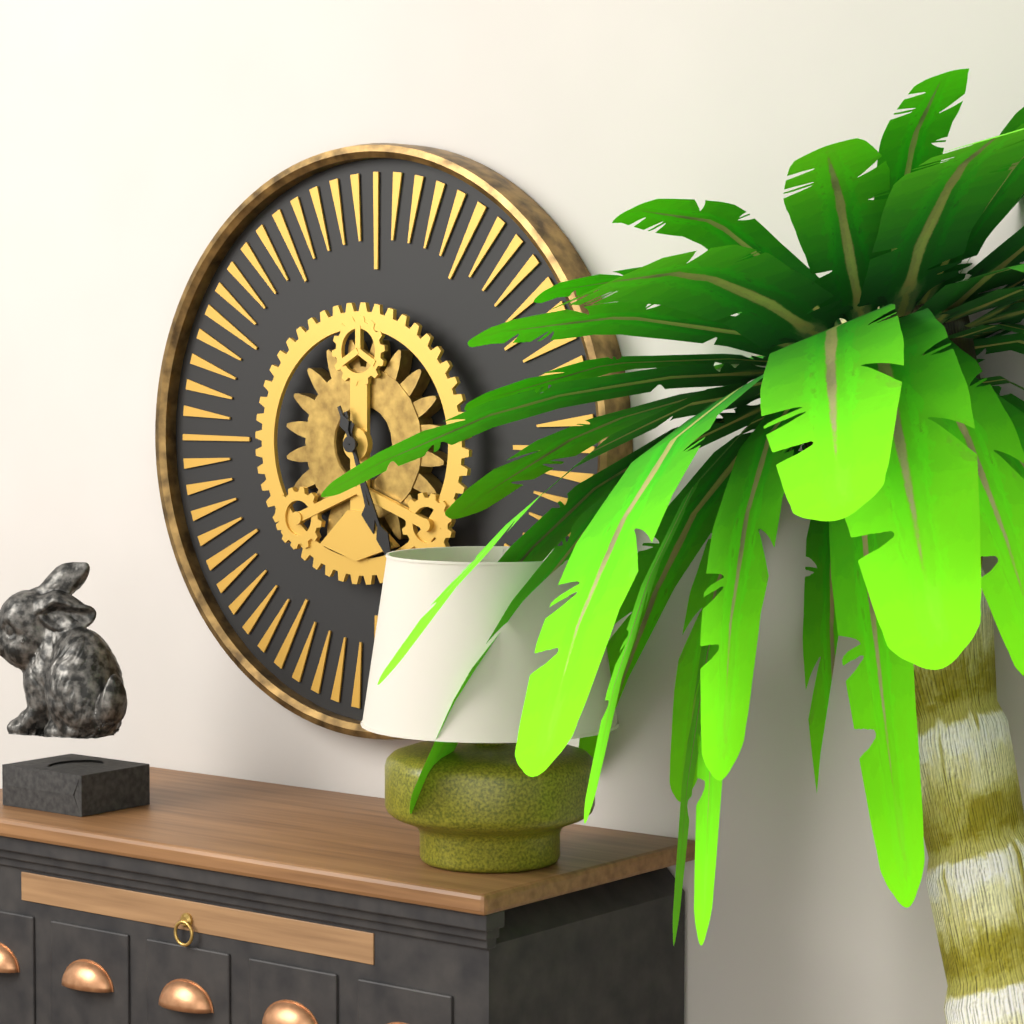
5.26
